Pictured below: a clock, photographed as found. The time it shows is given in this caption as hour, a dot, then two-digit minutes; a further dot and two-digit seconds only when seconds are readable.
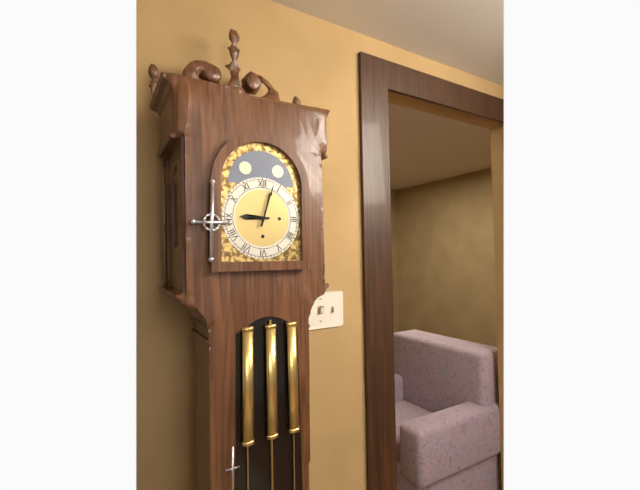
9.03
